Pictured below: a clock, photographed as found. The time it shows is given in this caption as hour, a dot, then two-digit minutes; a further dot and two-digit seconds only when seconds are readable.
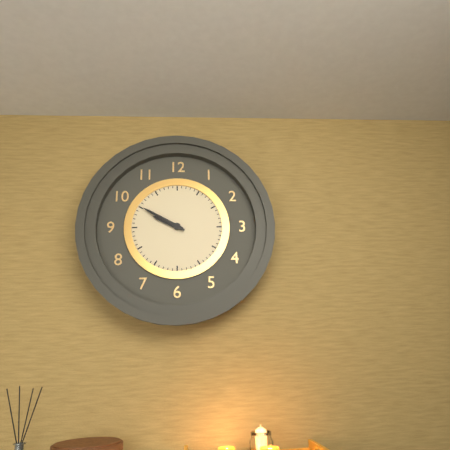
9.50
